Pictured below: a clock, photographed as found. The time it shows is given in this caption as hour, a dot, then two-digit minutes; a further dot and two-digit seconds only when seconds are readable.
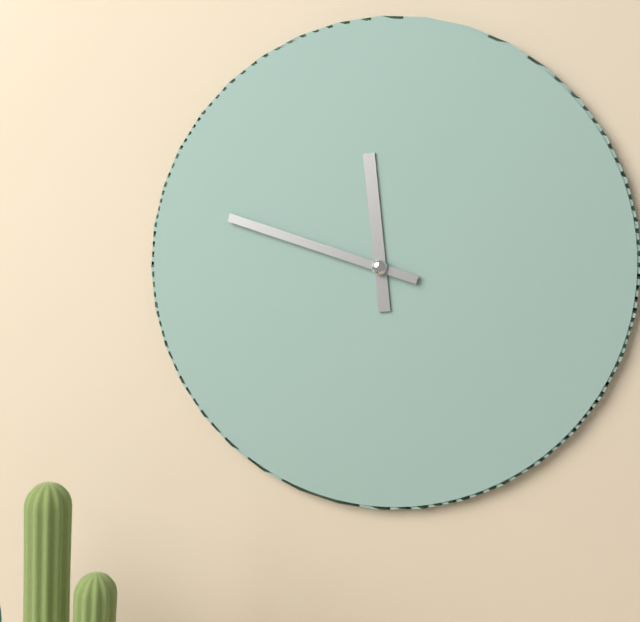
11.48
